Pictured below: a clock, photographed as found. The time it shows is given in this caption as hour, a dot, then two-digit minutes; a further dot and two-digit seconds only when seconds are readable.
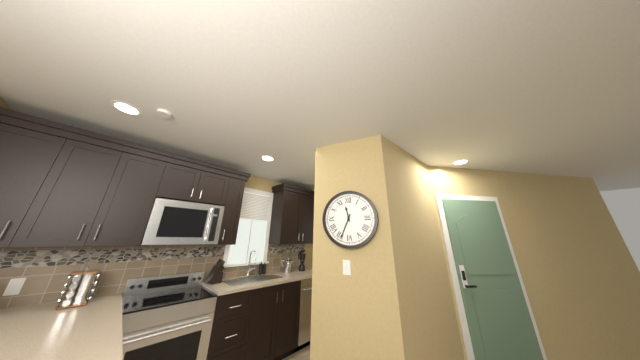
11.34
